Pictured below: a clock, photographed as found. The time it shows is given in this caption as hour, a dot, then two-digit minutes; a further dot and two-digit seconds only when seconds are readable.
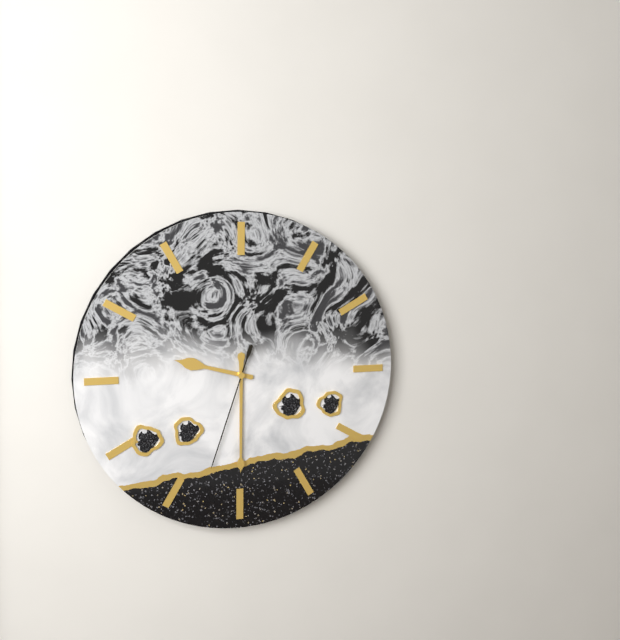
9.30.33
